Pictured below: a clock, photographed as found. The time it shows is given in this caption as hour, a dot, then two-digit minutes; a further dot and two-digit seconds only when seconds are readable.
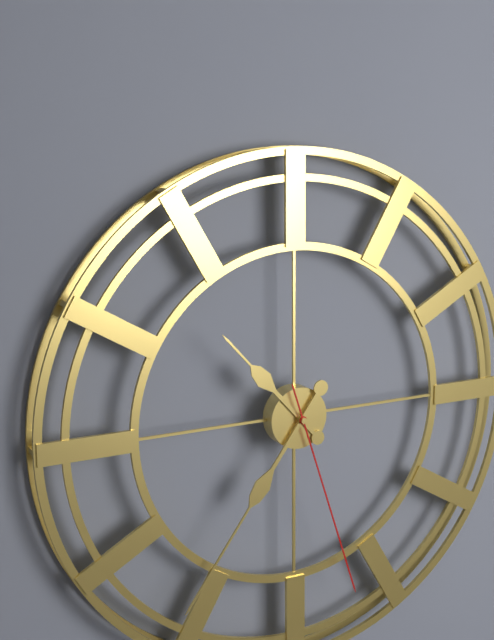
10.36.27
